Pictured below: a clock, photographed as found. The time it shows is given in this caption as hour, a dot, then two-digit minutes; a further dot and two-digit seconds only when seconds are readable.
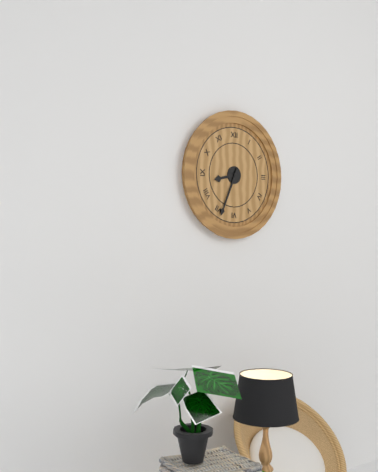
8.34
